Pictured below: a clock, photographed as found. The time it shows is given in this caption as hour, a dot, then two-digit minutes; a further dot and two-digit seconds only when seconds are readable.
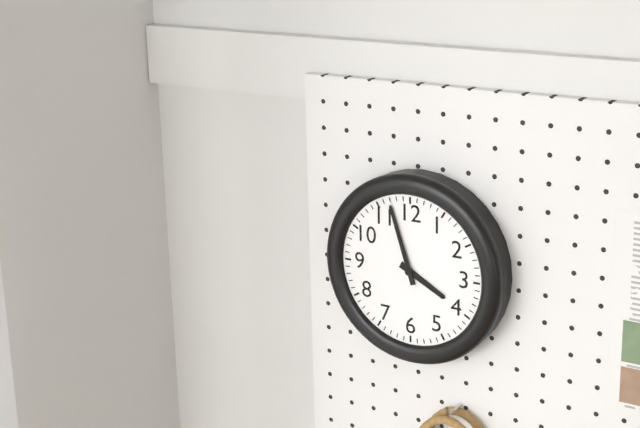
3.57
